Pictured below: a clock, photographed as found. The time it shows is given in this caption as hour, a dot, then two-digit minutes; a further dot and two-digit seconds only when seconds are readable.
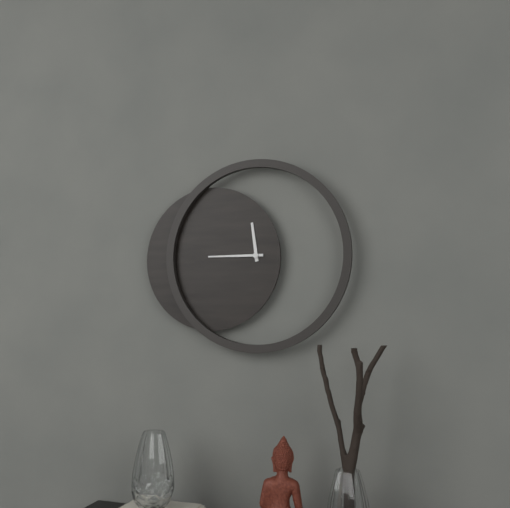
11.45
